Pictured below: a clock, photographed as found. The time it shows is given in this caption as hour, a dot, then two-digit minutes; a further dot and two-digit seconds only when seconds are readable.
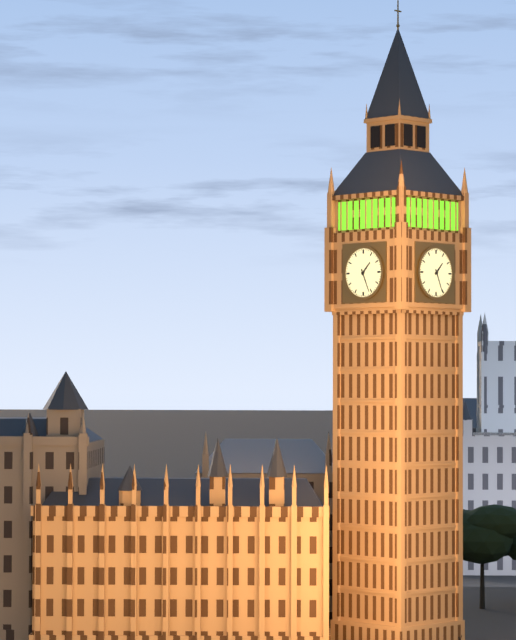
1.26
